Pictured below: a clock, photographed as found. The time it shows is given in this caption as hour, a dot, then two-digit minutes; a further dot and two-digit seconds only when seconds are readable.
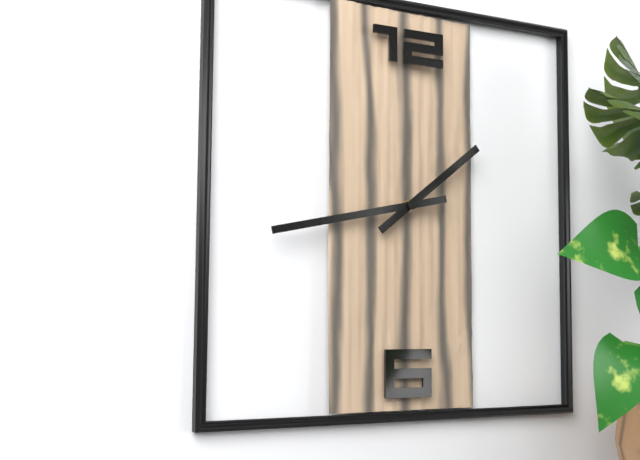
1.43
